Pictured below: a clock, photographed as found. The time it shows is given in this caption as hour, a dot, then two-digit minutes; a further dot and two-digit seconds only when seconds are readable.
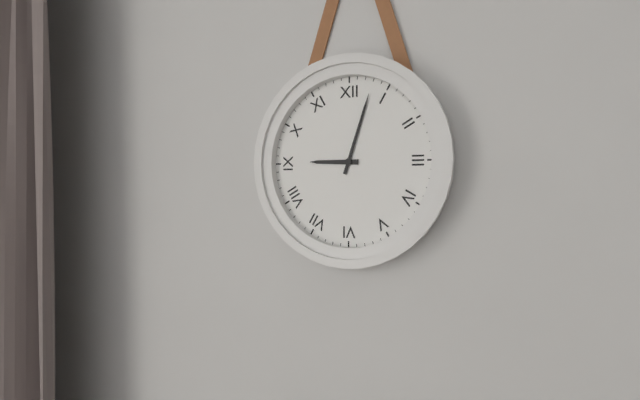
9.03
